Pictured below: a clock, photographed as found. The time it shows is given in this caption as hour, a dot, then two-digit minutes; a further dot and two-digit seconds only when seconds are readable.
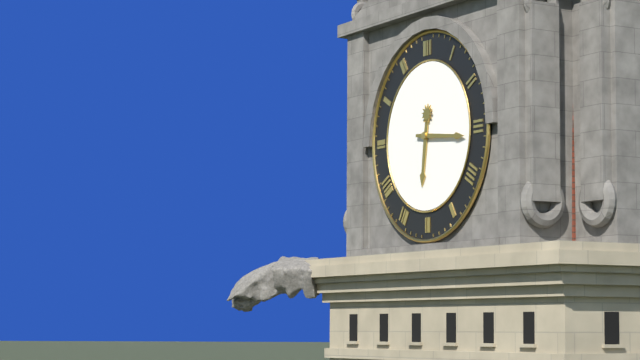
6.16
